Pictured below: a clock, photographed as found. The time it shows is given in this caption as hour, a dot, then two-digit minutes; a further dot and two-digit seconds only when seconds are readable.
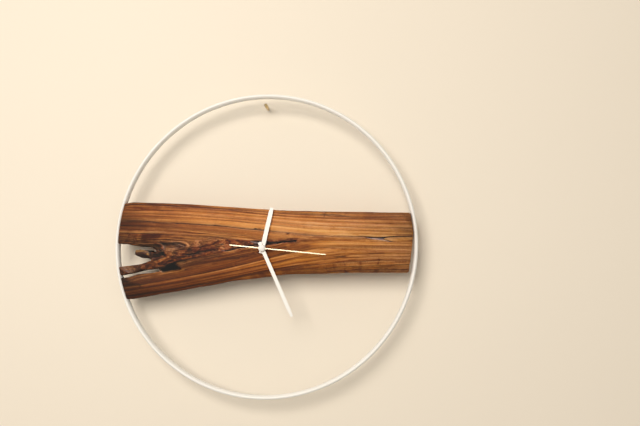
12.26.16
